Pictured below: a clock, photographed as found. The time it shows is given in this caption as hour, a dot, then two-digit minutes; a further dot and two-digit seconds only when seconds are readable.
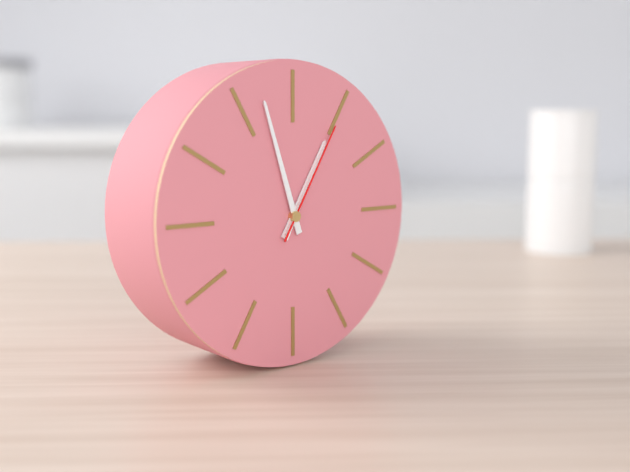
12.57.05
